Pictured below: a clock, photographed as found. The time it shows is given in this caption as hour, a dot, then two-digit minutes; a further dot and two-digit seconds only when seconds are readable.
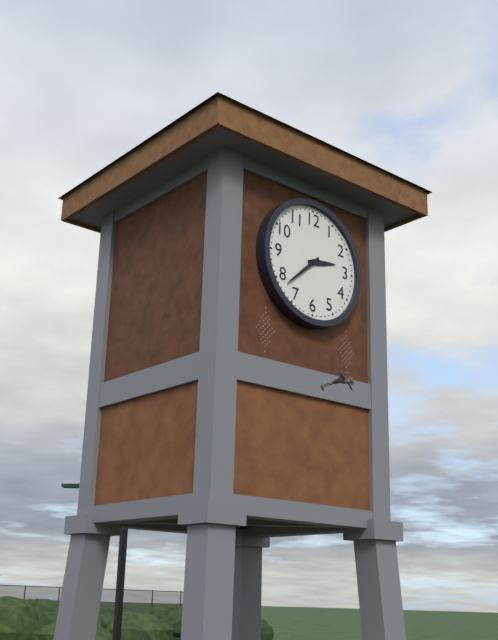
2.38
